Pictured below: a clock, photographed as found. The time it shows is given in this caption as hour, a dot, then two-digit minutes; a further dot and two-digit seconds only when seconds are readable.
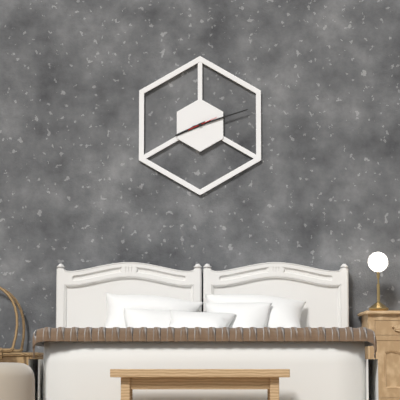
8.12
